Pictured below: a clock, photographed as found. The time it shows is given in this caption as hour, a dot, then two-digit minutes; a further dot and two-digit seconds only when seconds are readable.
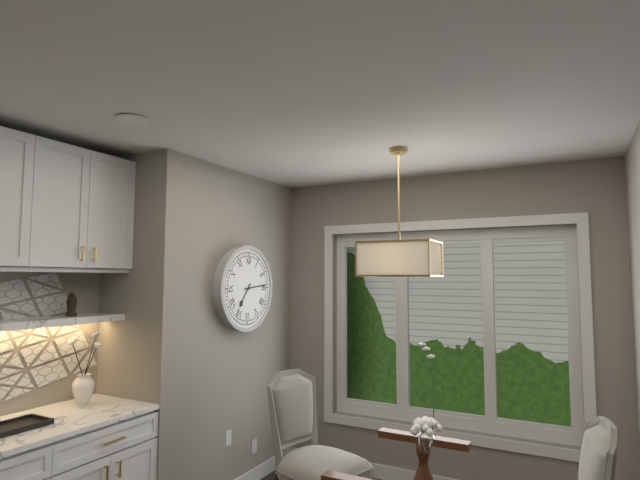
7.14
